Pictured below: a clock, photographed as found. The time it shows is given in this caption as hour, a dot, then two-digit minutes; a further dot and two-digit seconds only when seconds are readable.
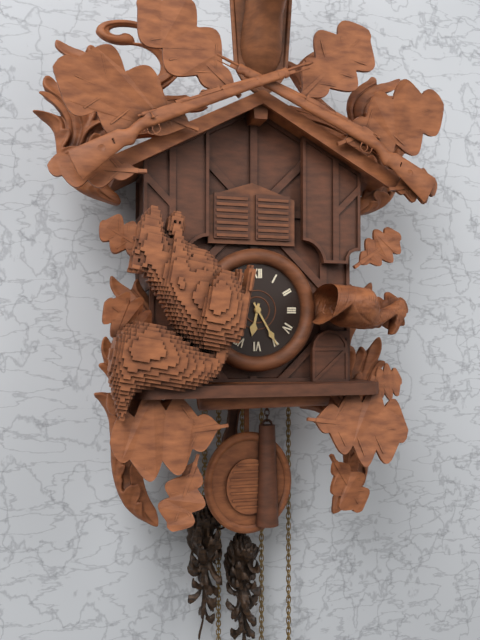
6.25
